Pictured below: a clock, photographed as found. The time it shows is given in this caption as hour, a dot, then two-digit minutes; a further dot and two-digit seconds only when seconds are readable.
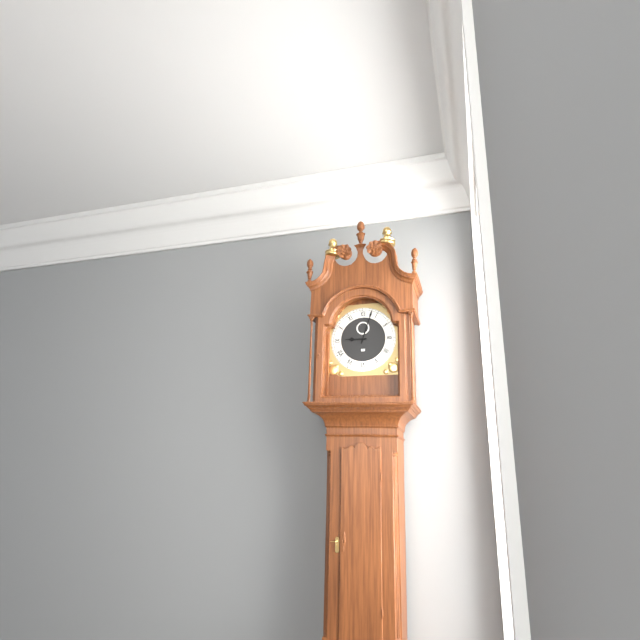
9.03
